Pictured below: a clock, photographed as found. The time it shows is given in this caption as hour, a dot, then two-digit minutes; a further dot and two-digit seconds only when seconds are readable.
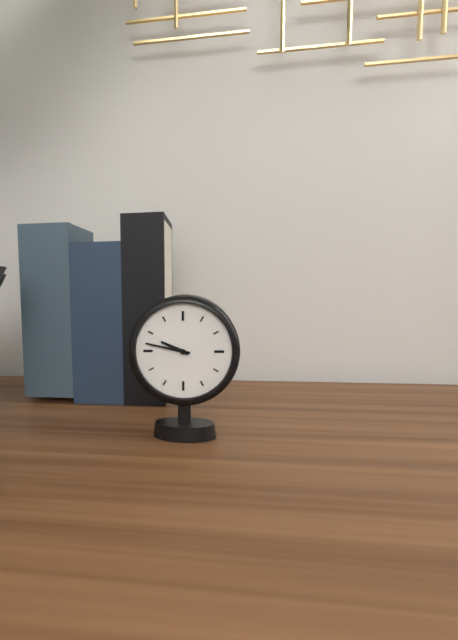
9.47
